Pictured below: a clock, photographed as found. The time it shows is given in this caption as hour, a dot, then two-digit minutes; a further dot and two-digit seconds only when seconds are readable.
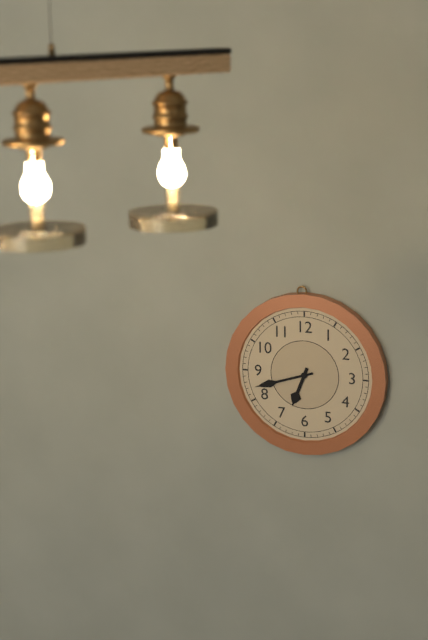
6.42
